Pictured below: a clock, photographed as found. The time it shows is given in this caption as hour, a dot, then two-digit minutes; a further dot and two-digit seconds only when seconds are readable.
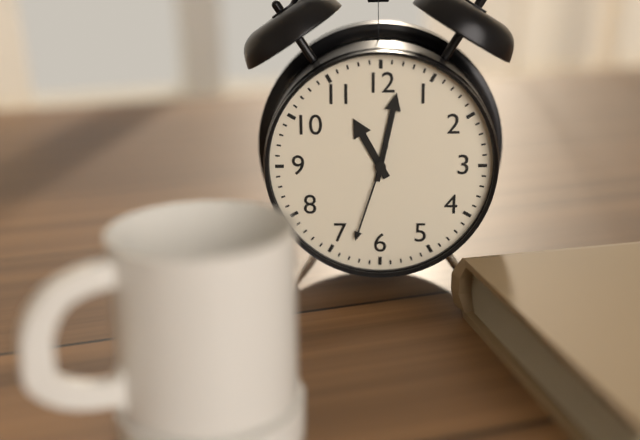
11.02.33
